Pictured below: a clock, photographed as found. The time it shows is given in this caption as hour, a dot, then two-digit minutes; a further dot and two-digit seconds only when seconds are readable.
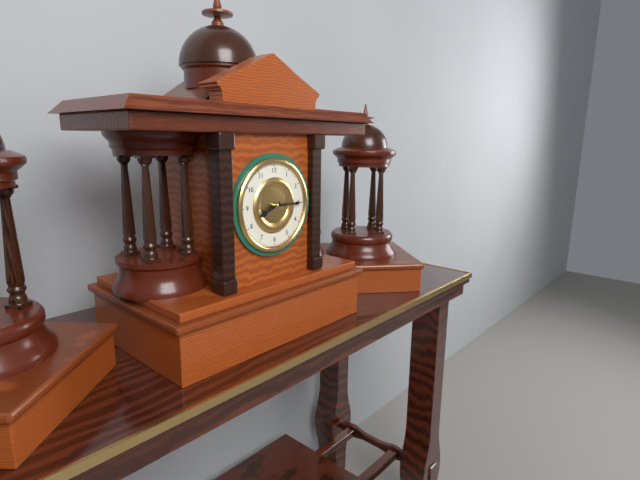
8.15
